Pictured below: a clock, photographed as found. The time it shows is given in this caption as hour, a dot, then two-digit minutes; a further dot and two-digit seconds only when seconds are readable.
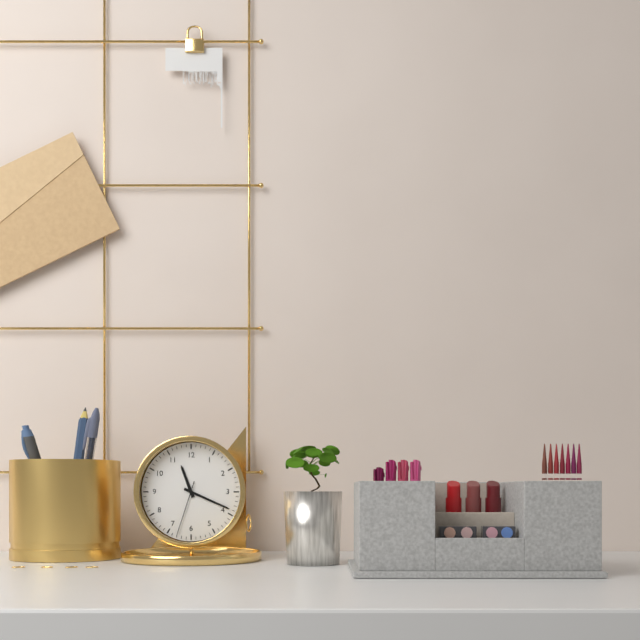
11.19.33
